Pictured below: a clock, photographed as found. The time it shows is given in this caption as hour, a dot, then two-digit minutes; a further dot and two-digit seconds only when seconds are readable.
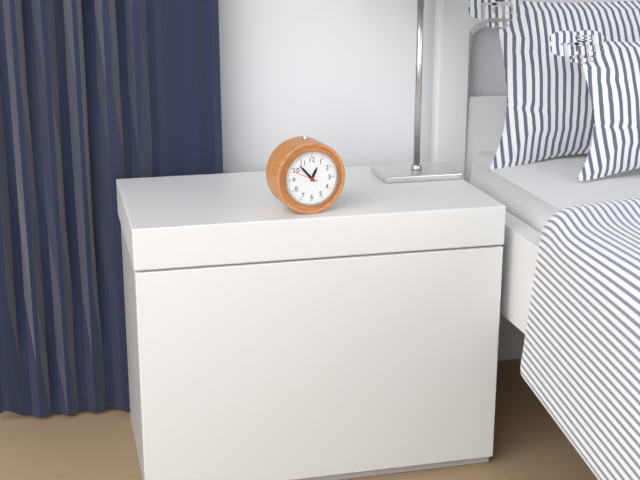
12.53
